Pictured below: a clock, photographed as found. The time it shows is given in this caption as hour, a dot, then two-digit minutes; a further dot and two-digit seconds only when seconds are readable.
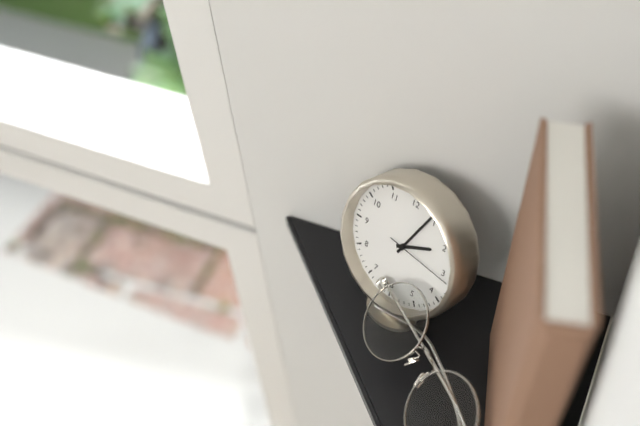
2.04.16
